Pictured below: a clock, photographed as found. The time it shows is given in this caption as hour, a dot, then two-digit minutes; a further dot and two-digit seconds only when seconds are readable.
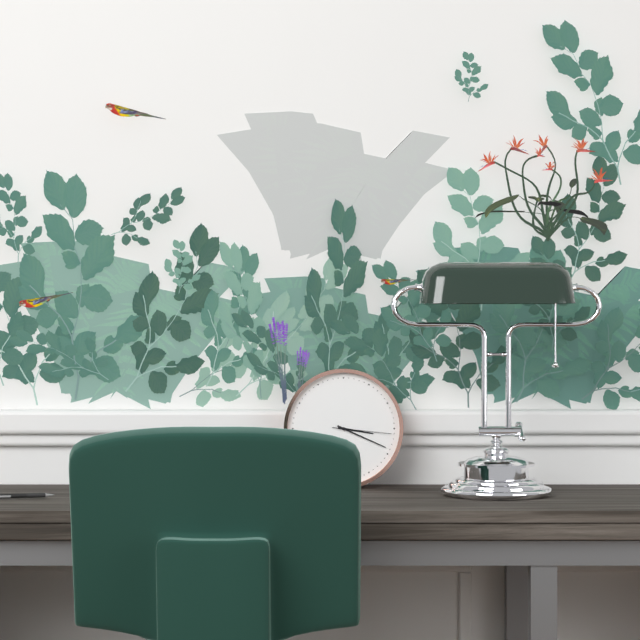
3.19.16
